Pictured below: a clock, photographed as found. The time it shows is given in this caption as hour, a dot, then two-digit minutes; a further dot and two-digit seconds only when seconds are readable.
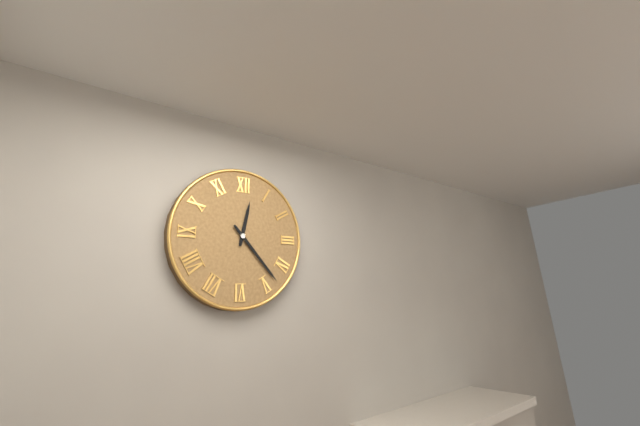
12.23
